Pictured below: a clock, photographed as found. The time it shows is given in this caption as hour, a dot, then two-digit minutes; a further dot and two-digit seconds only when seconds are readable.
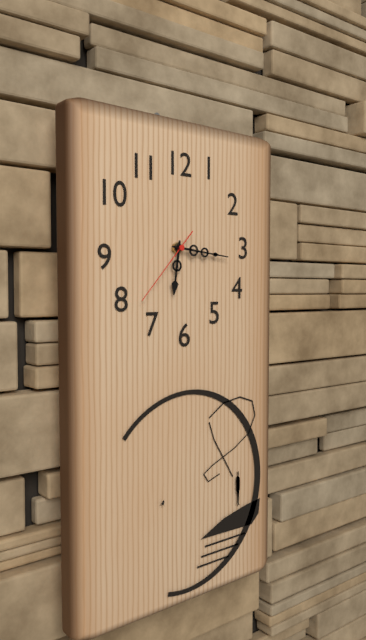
6.16.37
